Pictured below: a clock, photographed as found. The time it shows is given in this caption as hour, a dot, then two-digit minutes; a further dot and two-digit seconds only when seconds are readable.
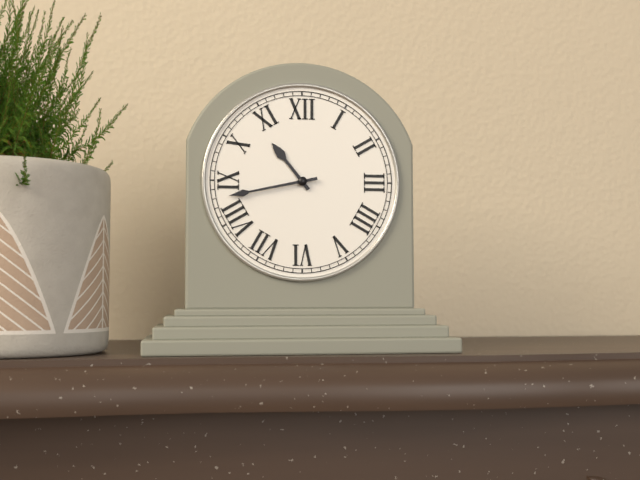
10.43
